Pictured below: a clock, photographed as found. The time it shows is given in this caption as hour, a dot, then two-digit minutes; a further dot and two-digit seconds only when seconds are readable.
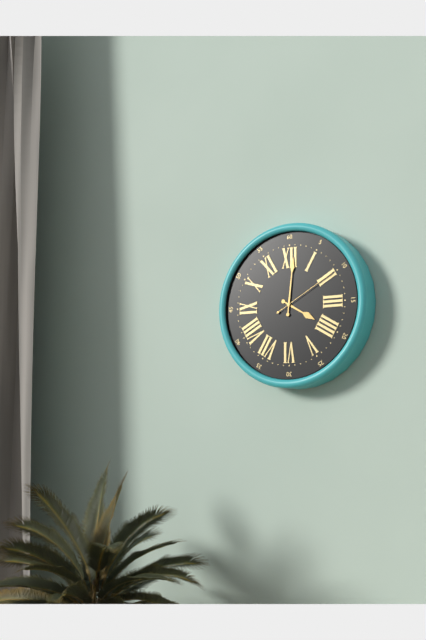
4.01.10
